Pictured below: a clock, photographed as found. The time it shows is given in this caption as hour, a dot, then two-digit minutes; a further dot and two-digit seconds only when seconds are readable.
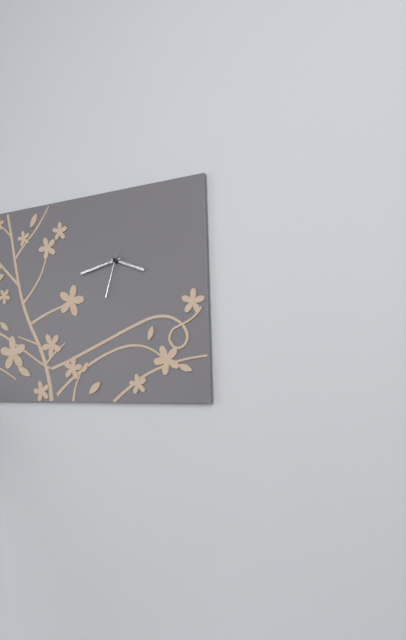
3.43
